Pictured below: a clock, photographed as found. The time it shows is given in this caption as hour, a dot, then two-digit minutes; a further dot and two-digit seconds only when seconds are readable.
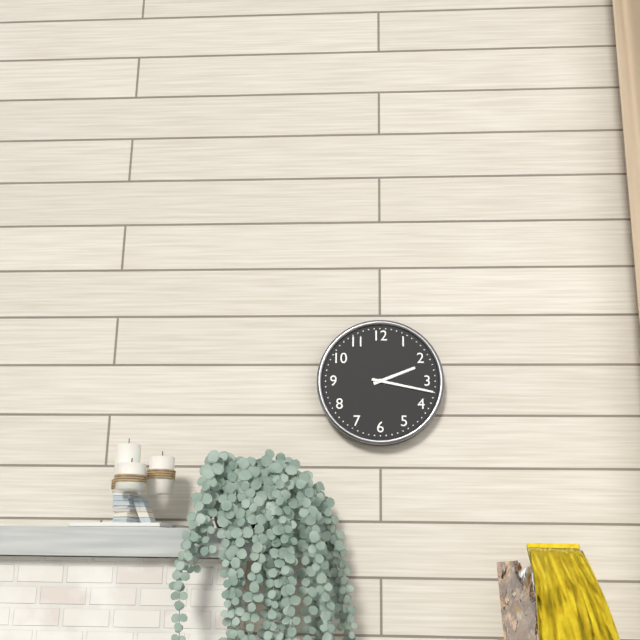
2.17
